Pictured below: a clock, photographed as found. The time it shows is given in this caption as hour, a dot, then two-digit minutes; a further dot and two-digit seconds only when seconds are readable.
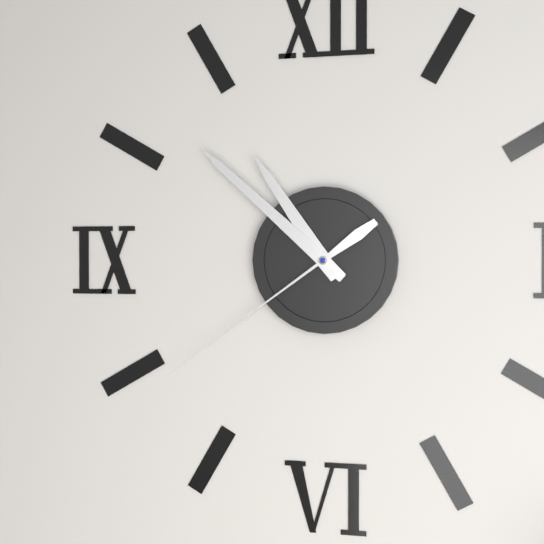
10.52.39
